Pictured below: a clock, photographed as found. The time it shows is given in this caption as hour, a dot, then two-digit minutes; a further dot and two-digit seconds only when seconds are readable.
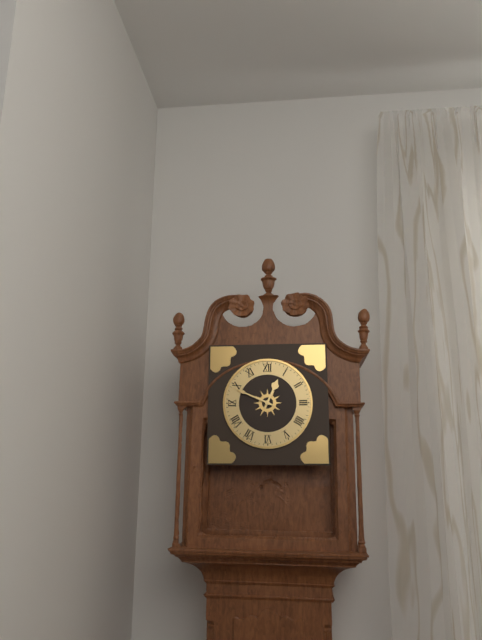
12.49
